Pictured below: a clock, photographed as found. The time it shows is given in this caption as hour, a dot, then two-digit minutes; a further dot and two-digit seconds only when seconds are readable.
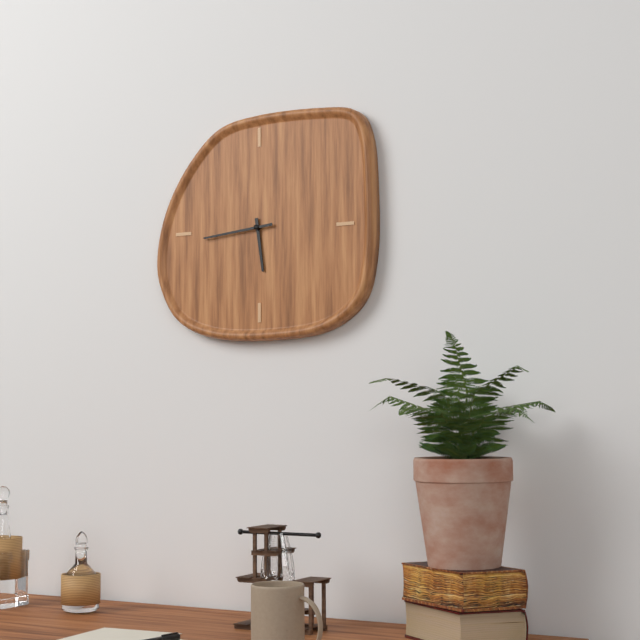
5.44
